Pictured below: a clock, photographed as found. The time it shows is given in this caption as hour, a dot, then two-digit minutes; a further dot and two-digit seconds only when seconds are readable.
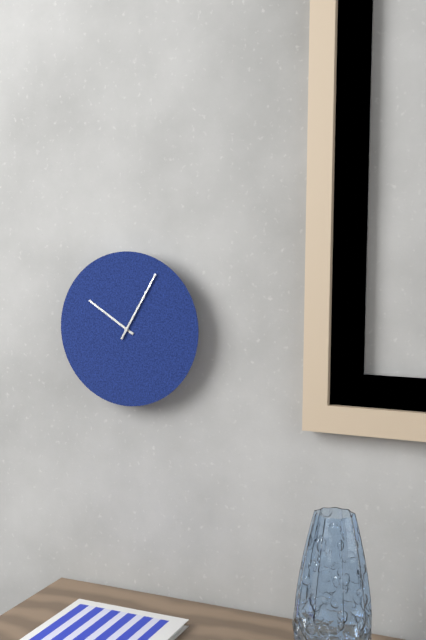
10.05
